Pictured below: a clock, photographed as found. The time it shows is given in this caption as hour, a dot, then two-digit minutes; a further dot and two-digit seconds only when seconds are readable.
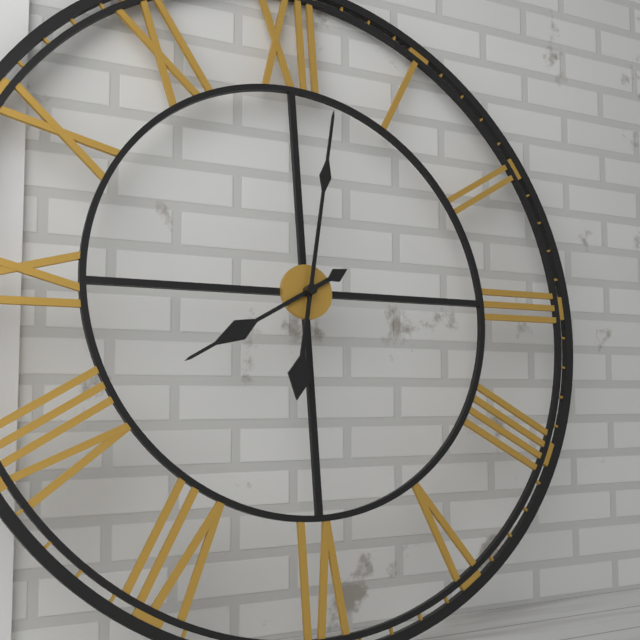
8.02
